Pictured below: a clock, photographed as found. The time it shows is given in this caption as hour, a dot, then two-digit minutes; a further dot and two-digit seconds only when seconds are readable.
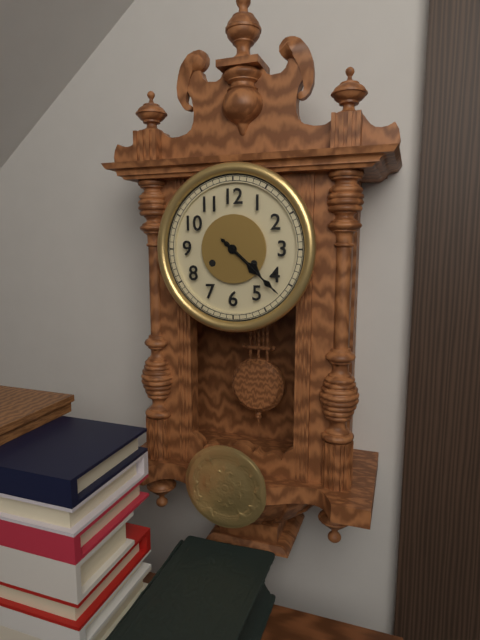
4.22
